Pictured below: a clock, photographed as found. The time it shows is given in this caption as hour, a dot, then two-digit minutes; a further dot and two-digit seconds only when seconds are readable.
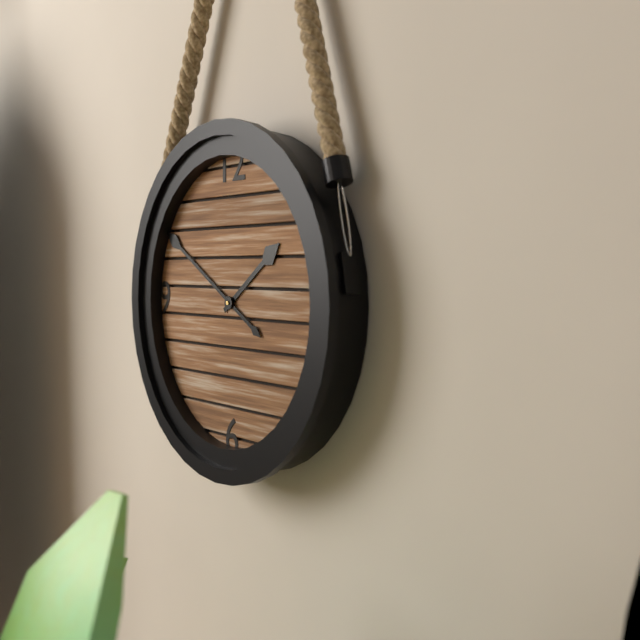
1.50
